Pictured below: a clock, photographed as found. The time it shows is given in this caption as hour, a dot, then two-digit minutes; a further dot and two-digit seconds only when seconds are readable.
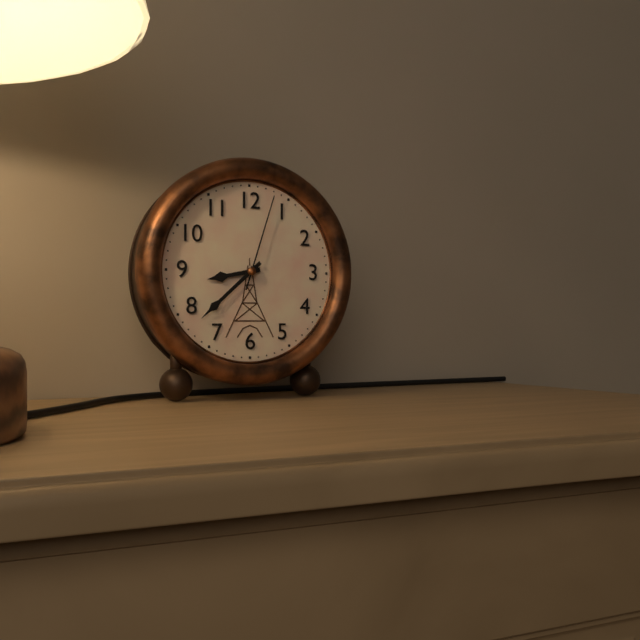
8.38.03
